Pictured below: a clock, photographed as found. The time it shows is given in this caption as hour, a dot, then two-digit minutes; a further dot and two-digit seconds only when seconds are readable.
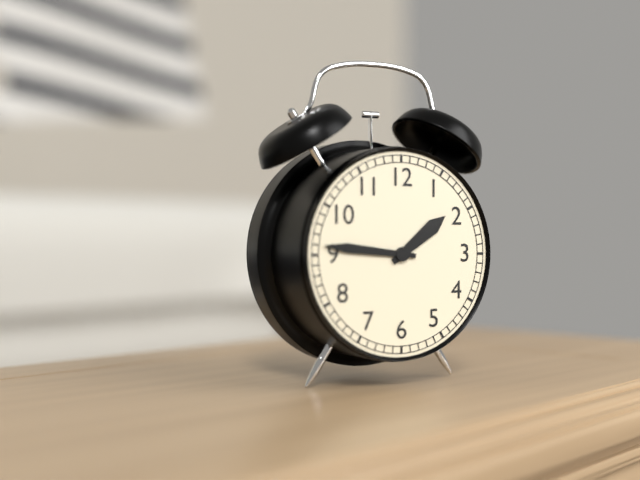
1.46
